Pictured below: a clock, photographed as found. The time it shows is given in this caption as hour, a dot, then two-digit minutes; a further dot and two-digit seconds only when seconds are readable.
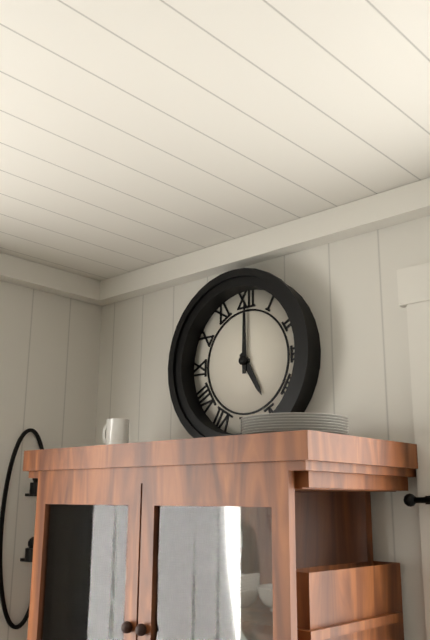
5.00
